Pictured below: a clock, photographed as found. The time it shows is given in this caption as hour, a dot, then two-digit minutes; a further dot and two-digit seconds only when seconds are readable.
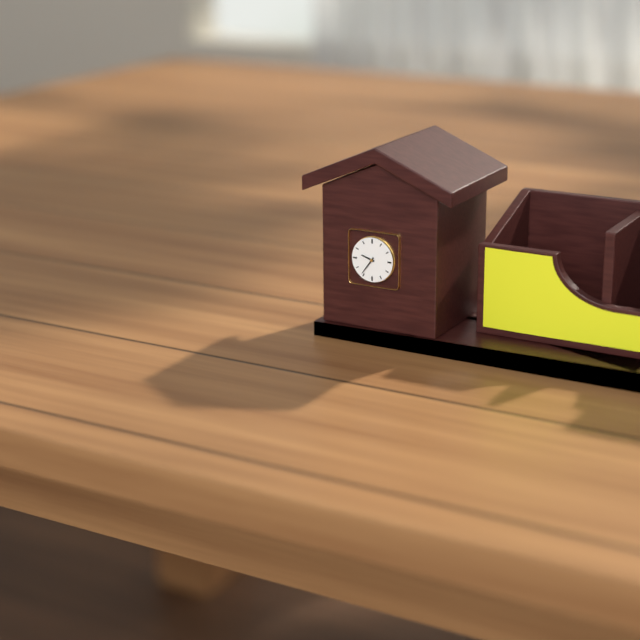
9.36
